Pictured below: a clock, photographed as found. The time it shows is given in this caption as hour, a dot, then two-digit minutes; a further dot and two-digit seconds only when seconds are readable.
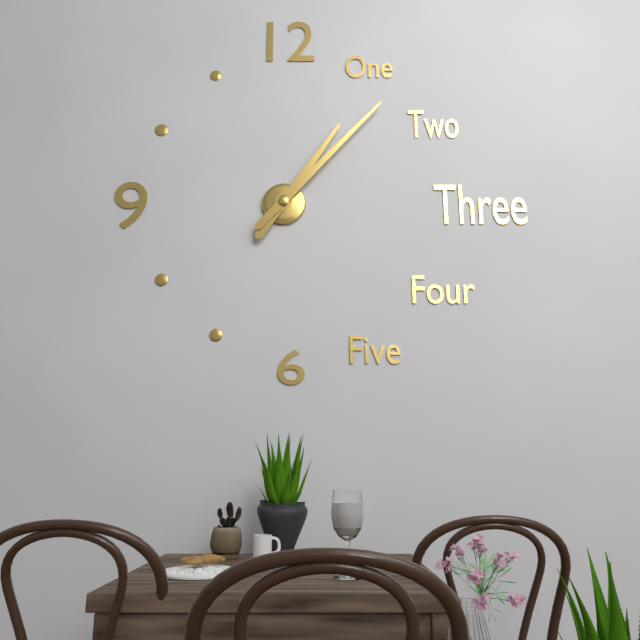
1.07
